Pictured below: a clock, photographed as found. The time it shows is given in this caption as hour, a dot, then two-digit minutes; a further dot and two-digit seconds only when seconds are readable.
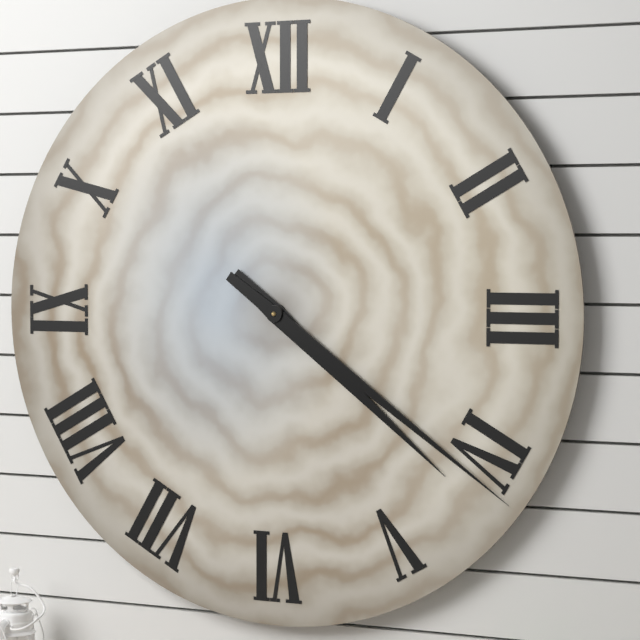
4.21
